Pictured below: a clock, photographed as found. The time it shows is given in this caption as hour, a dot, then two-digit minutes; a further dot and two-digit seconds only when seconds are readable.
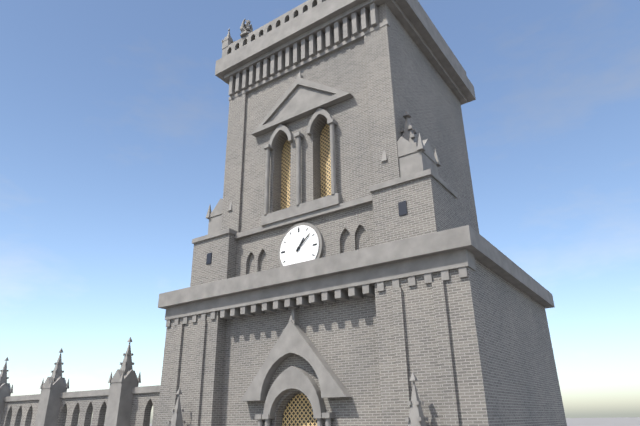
1.08
